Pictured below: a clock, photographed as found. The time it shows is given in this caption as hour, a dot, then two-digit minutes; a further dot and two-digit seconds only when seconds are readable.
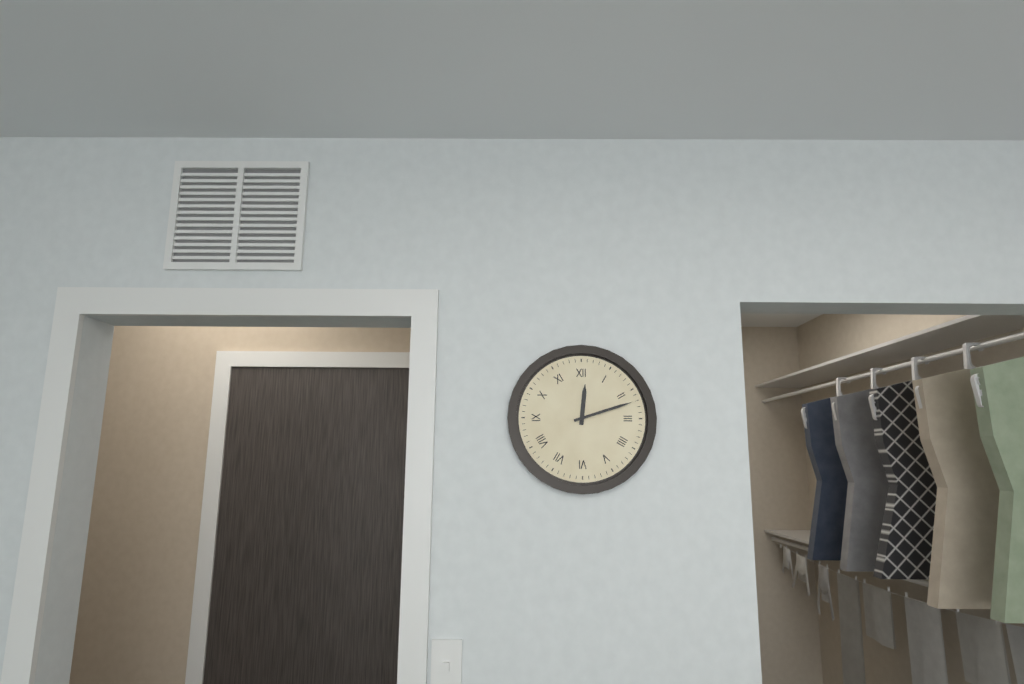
12.12
